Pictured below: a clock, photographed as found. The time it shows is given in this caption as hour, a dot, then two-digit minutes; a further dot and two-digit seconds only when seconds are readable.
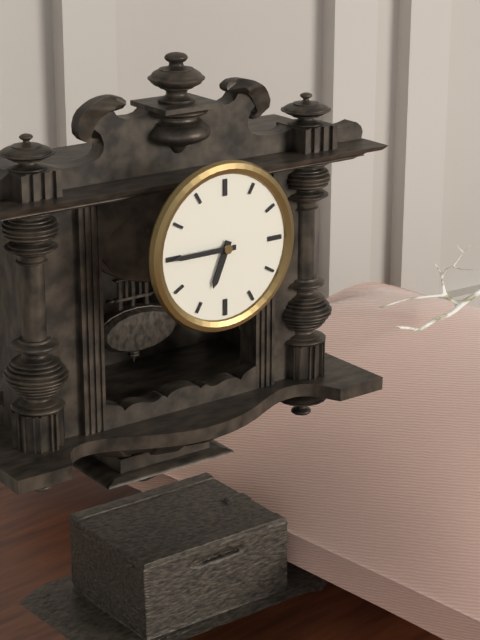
6.45
